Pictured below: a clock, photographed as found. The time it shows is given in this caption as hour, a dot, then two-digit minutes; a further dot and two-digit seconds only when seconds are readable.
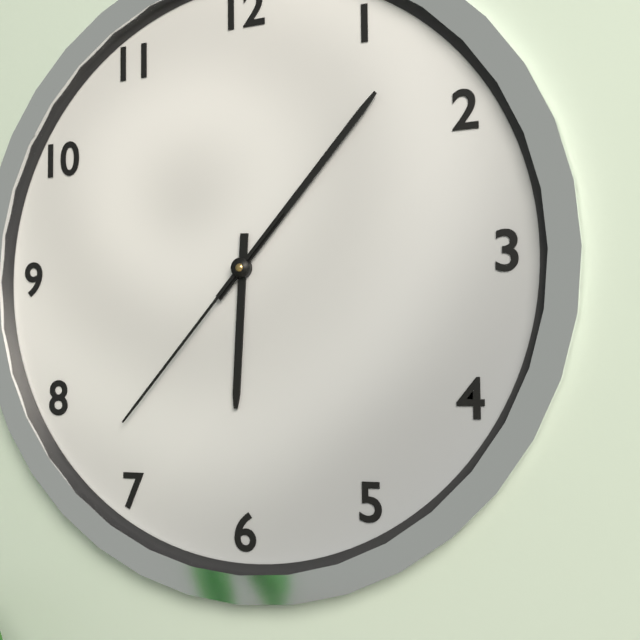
6.07.37
